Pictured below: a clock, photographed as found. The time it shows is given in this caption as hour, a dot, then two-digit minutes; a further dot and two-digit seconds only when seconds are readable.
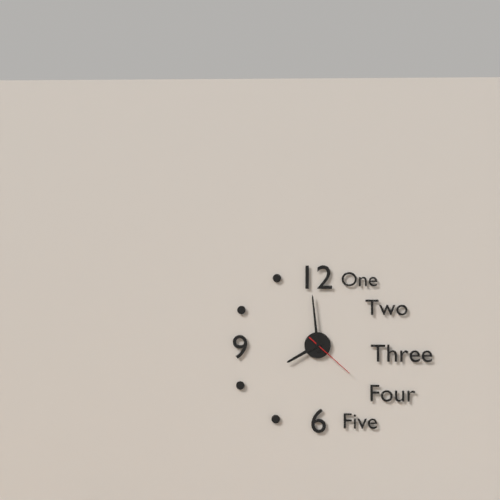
7.59.22
